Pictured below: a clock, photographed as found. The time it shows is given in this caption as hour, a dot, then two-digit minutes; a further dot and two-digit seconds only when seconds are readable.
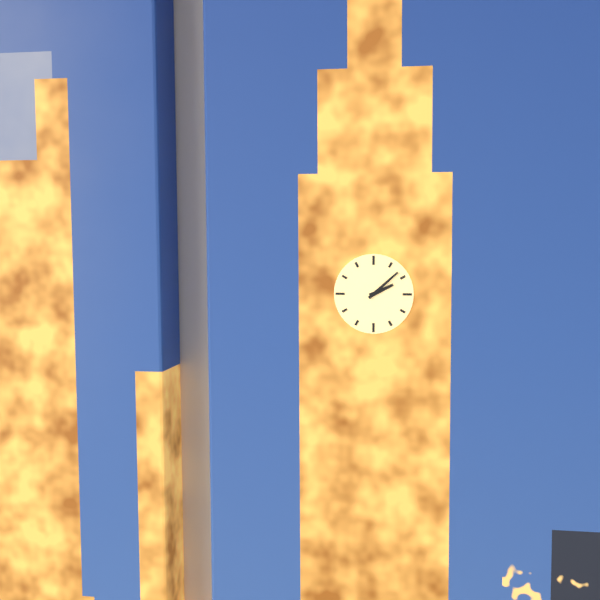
2.08
